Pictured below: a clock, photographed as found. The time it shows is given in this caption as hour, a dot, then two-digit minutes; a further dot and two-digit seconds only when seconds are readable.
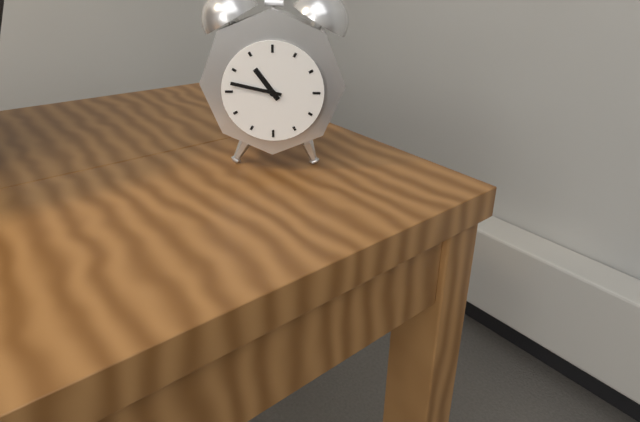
10.47
